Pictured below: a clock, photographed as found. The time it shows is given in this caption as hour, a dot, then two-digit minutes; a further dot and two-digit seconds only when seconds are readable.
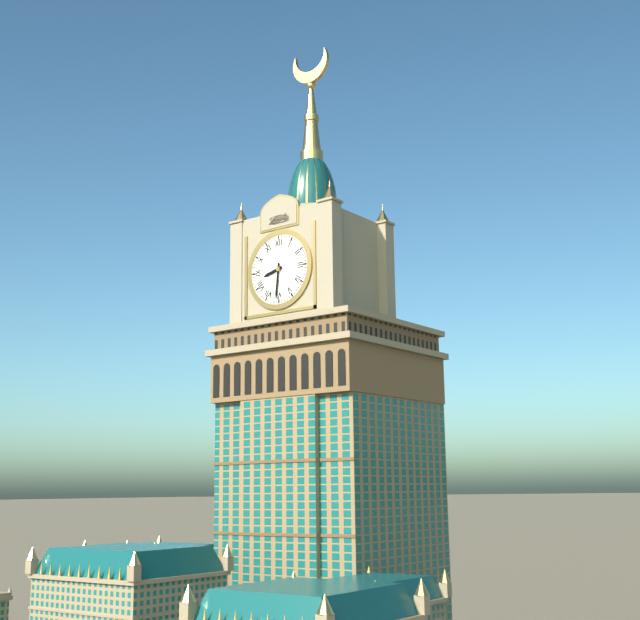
8.31
